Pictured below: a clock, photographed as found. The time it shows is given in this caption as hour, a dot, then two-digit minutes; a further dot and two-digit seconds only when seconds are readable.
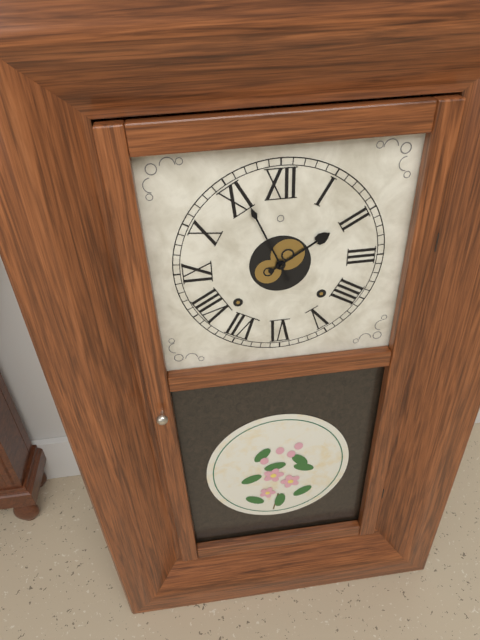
1.56
